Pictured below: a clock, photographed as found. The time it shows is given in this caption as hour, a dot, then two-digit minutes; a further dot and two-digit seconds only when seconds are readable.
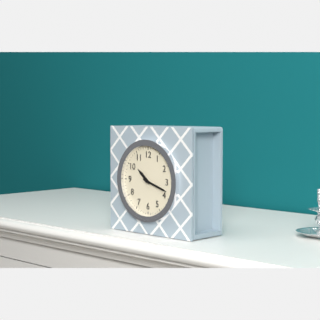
10.18
